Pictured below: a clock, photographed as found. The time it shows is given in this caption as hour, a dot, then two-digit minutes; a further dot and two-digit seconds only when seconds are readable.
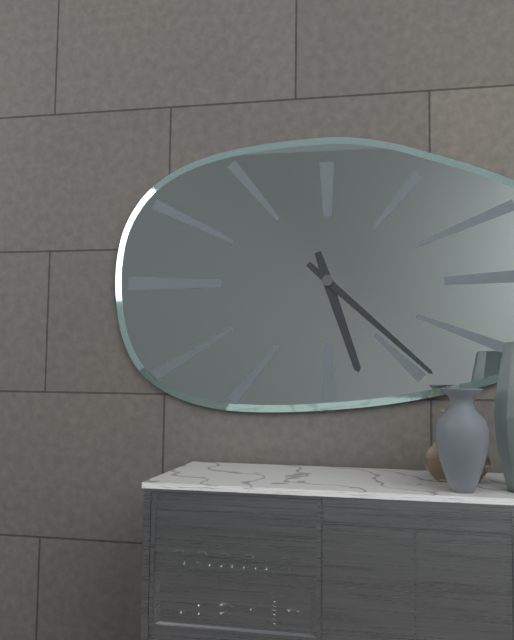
5.22
